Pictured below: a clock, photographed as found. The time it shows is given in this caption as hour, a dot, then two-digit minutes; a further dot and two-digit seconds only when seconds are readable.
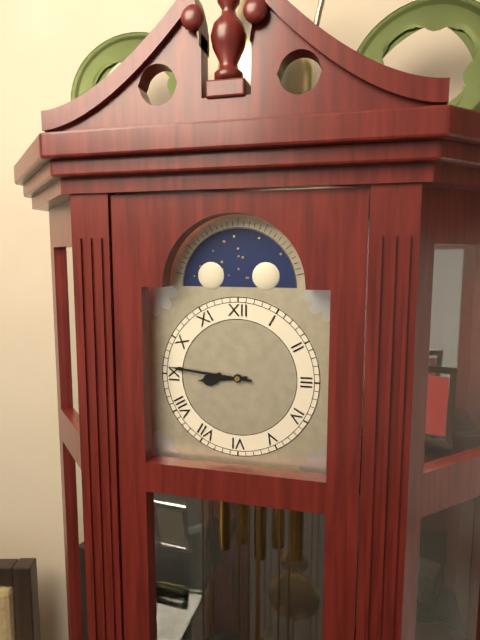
8.46
